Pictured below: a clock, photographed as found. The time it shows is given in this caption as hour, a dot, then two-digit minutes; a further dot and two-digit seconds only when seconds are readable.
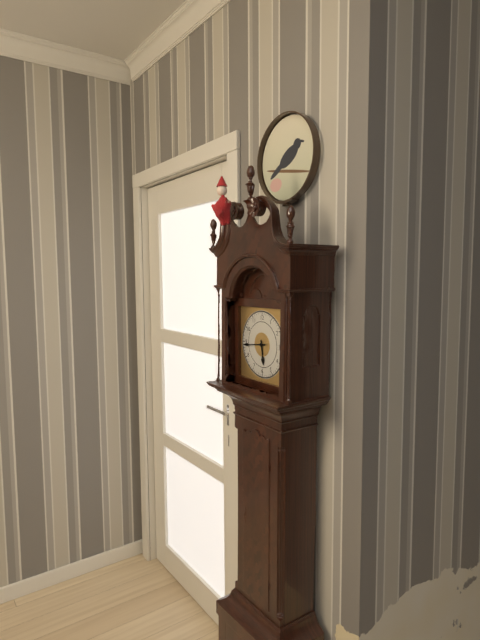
5.44
